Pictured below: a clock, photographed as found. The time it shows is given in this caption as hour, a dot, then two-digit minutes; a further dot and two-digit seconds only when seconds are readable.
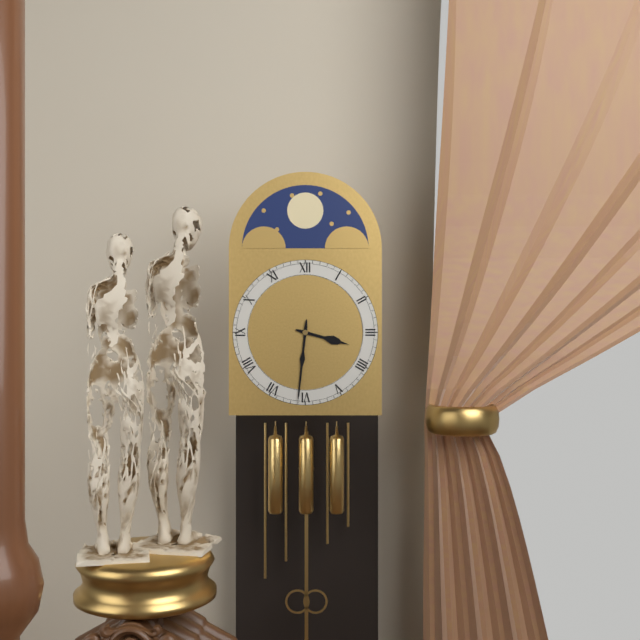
3.31
